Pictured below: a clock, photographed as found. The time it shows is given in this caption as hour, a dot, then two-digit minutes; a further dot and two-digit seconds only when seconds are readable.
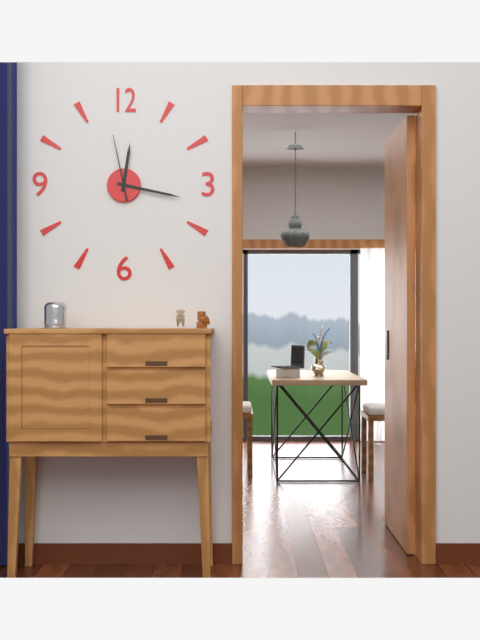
12.17.58
